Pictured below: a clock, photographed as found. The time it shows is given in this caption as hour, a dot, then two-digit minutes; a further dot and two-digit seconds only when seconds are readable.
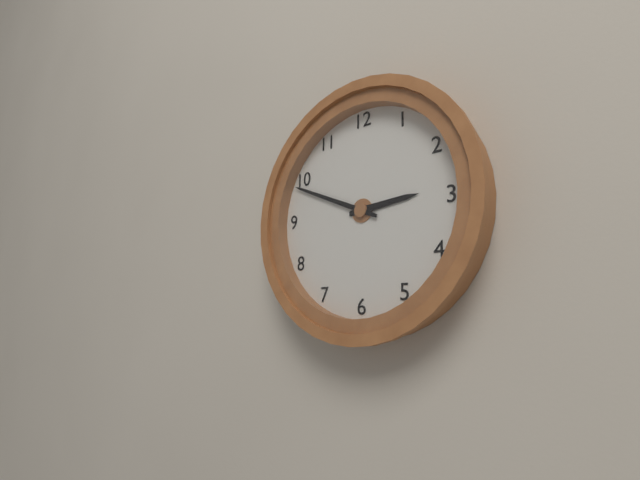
2.49
